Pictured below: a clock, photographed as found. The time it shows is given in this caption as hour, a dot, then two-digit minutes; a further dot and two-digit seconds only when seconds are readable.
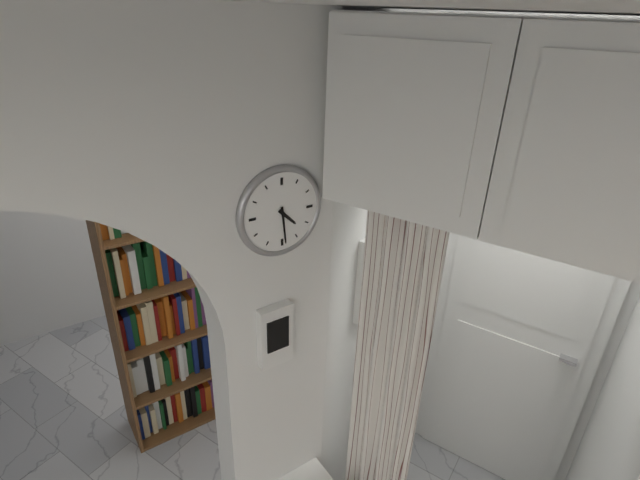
4.29
